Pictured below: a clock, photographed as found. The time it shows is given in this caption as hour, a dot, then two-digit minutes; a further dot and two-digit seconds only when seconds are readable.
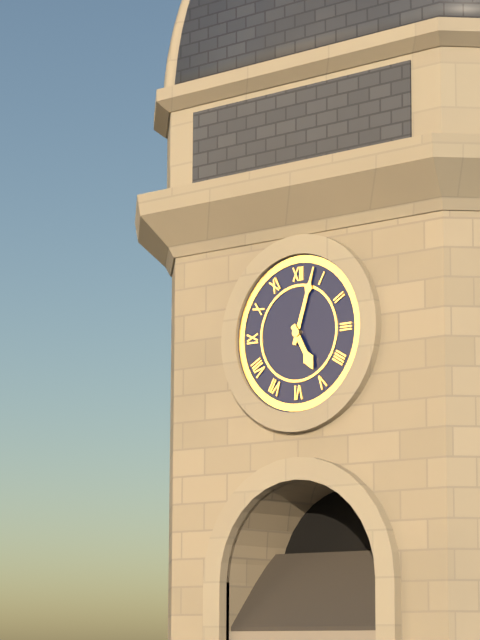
5.03
